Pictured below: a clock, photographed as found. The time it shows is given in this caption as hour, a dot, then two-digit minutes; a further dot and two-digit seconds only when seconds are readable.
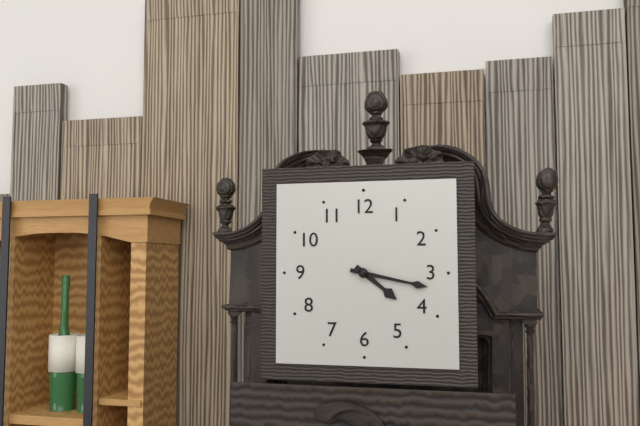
4.17
